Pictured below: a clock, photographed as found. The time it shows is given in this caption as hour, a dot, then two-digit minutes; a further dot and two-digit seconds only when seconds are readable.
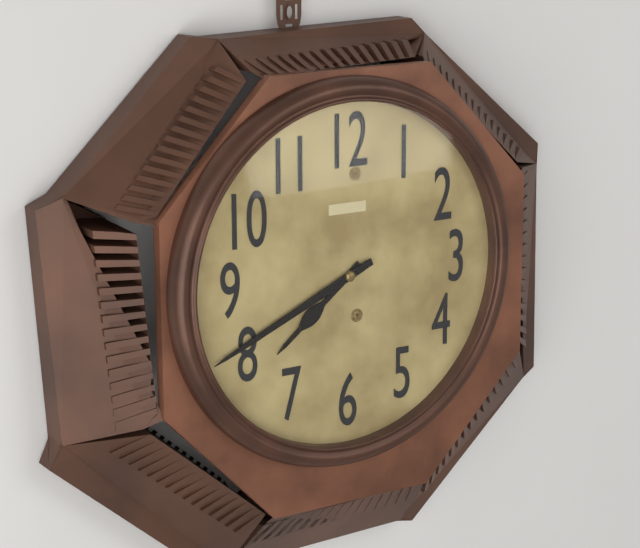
7.41
